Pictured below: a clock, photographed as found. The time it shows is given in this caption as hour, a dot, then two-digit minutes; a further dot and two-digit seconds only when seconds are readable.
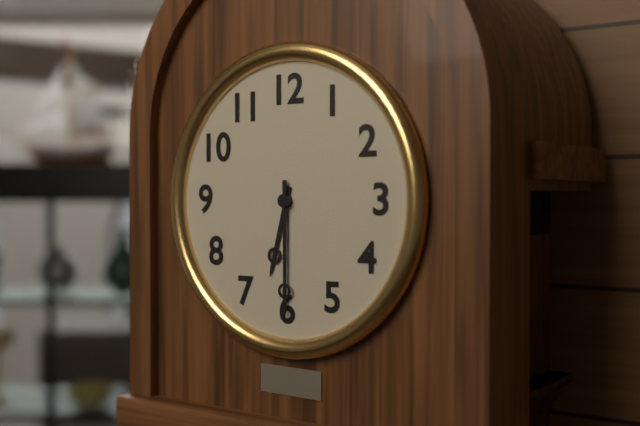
6.30
